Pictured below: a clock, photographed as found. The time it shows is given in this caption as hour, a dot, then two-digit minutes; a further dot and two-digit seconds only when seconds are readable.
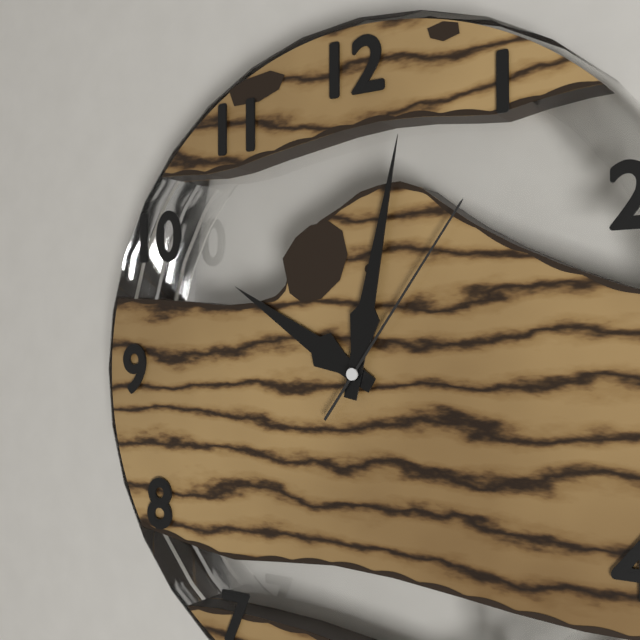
10.02.06
